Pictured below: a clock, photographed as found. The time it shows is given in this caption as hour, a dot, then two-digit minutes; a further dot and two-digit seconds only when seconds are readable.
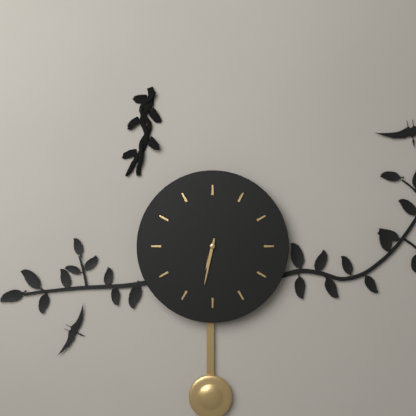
6.32
